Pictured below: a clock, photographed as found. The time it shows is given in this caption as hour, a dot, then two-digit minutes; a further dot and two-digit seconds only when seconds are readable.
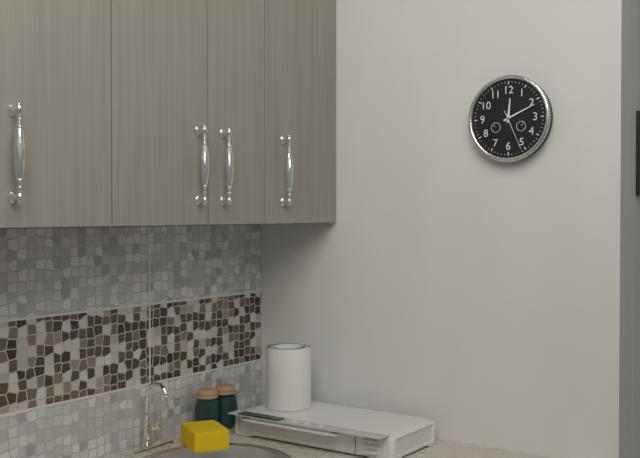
12.11
